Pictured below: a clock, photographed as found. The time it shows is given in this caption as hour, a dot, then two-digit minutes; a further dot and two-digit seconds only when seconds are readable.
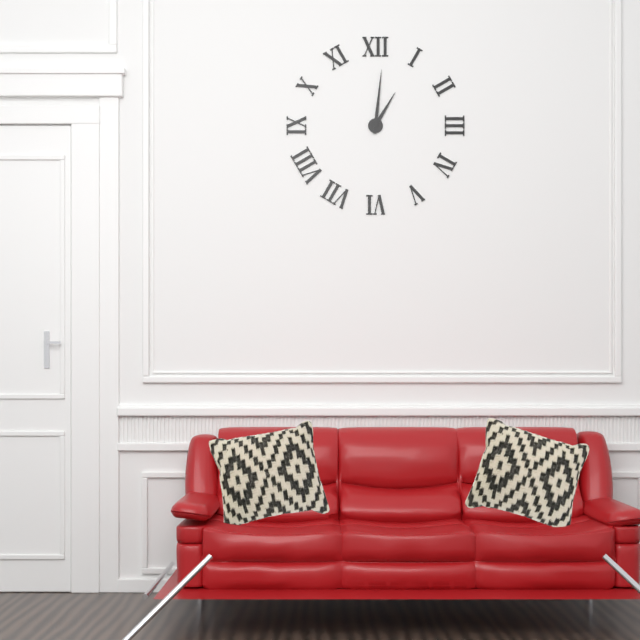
1.01
